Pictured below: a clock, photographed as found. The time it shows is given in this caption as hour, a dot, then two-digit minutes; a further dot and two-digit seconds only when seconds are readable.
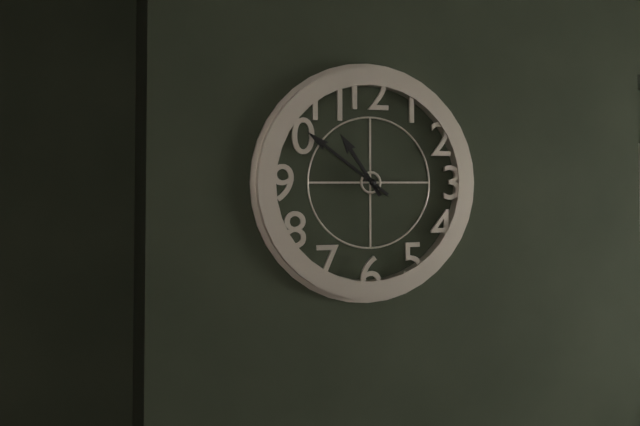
10.51
